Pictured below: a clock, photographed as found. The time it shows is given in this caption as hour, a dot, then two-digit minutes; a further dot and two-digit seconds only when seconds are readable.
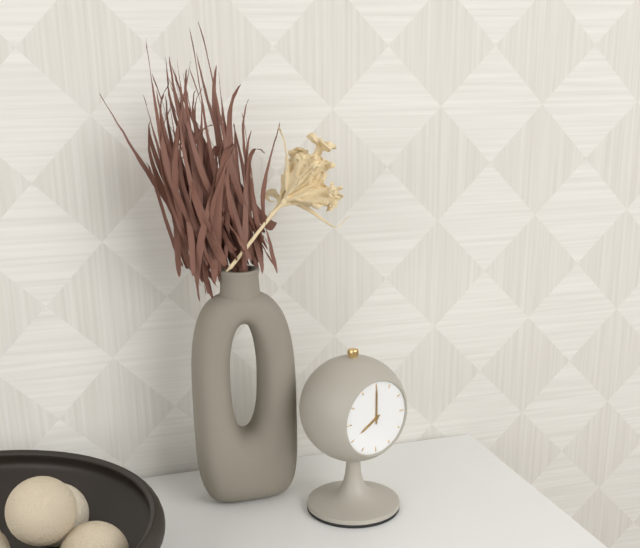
8.00
